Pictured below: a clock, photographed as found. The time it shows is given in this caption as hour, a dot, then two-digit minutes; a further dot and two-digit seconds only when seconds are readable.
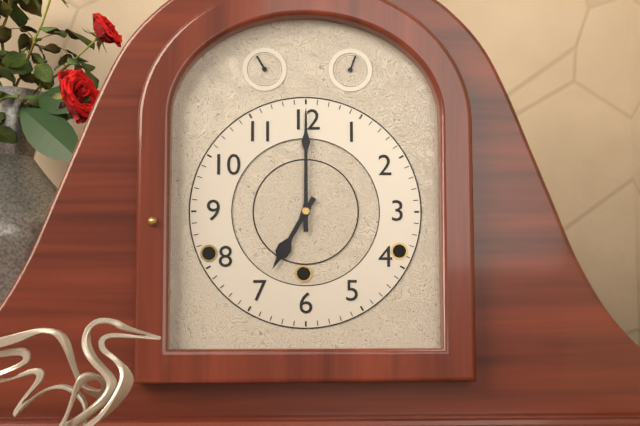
7.00
